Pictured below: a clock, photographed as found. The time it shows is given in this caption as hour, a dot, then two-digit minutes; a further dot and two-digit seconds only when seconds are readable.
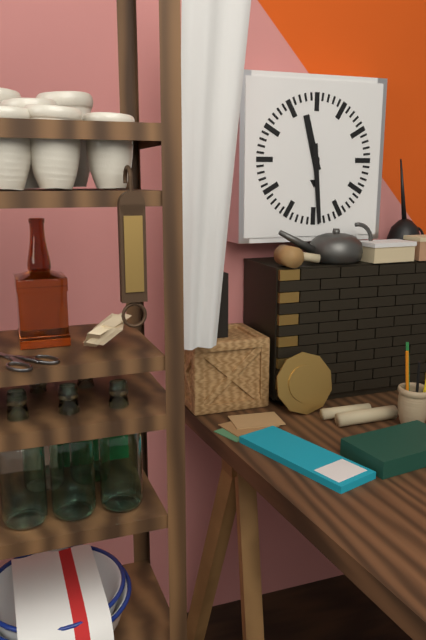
11.29
